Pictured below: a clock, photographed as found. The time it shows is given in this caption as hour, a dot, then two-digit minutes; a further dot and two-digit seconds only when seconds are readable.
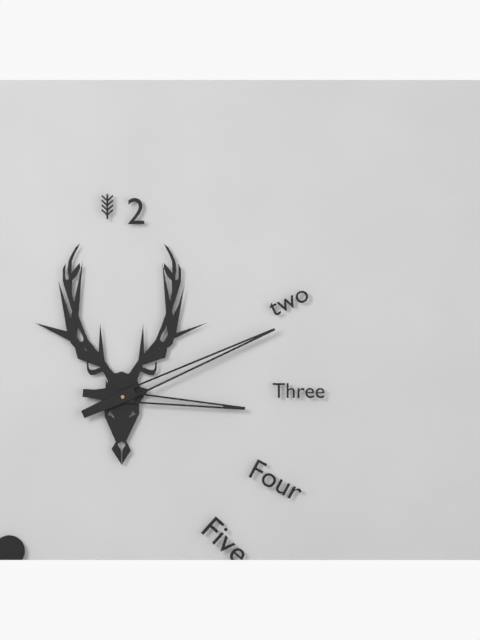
3.11
